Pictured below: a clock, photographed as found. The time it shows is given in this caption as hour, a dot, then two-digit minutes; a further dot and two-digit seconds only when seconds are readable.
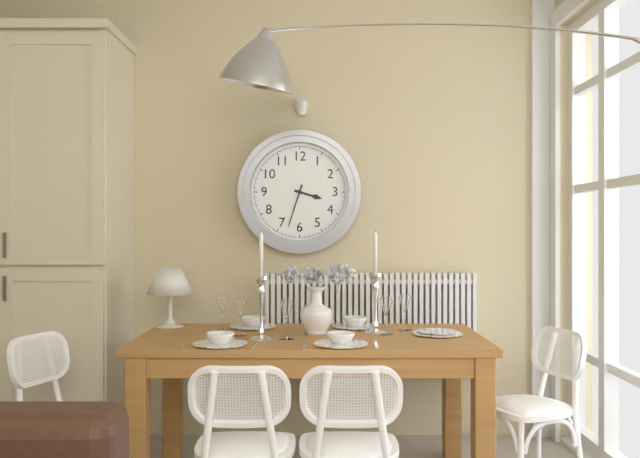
3.33
